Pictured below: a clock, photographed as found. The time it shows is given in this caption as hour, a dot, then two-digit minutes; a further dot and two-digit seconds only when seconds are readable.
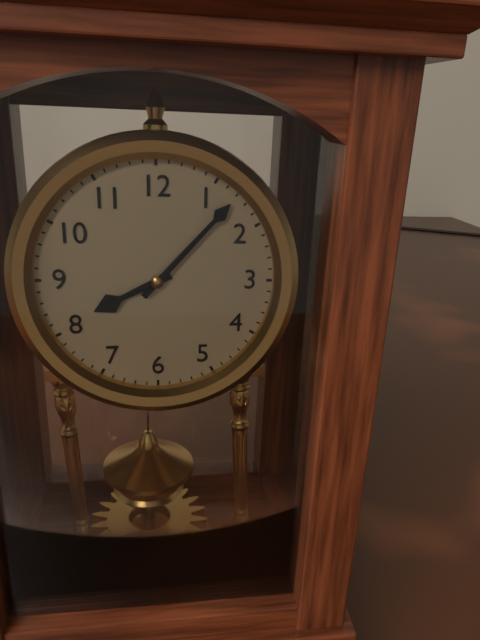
8.07
